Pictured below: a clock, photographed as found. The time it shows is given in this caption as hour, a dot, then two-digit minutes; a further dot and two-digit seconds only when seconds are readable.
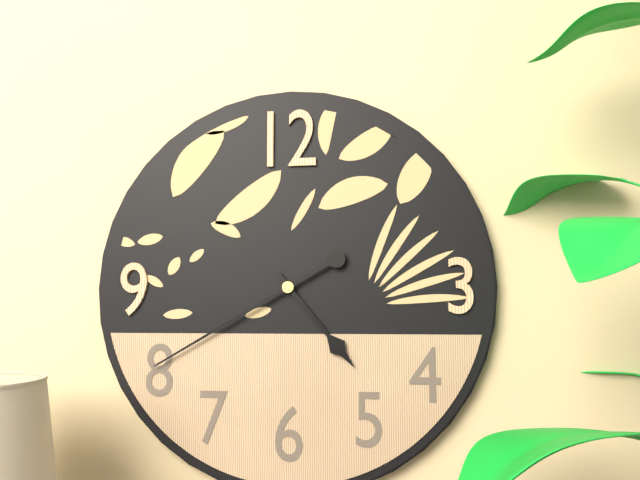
4.40
